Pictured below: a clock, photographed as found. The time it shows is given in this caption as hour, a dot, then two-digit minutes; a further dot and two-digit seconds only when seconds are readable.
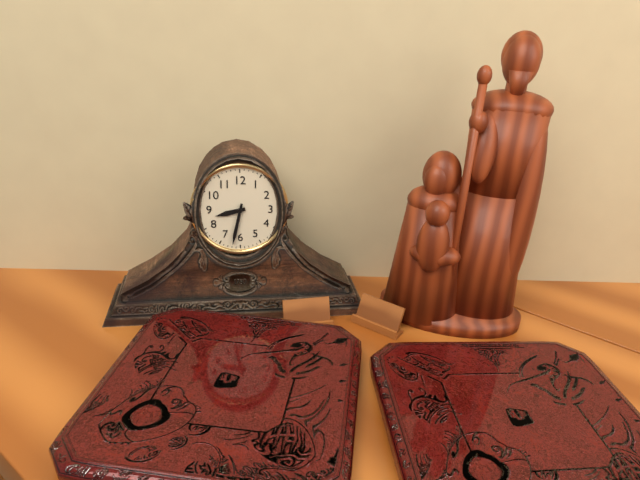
8.32
